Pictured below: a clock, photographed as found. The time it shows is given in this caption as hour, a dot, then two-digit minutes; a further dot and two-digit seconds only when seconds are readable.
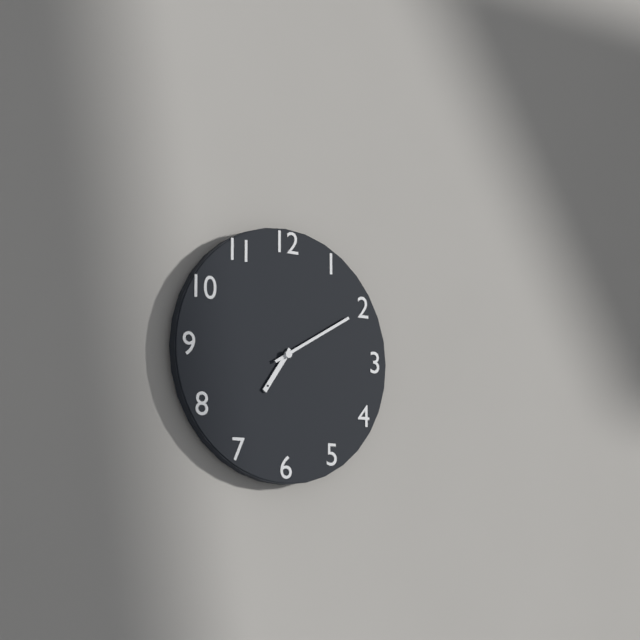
7.10
